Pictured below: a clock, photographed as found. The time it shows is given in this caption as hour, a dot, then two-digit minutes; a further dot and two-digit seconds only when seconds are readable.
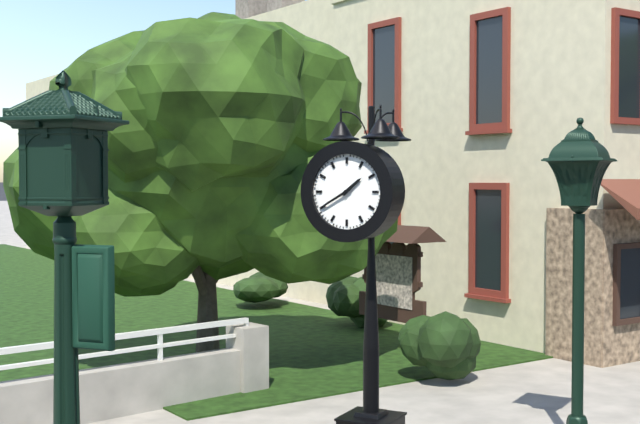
1.40
